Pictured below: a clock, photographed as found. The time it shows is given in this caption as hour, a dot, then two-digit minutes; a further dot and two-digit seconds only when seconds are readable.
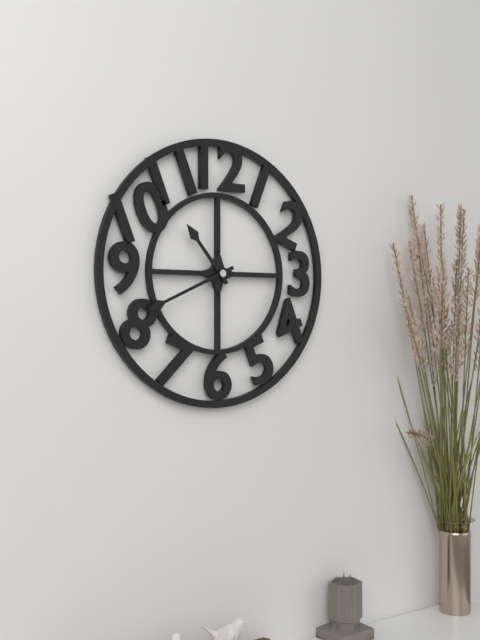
10.41
